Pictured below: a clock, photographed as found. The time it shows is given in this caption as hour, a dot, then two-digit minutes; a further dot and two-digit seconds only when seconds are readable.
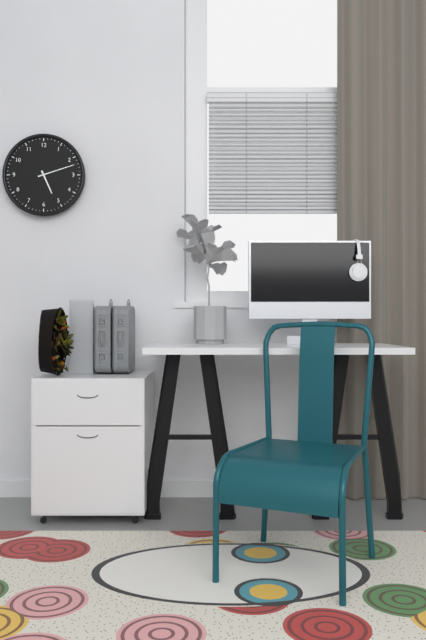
5.12
